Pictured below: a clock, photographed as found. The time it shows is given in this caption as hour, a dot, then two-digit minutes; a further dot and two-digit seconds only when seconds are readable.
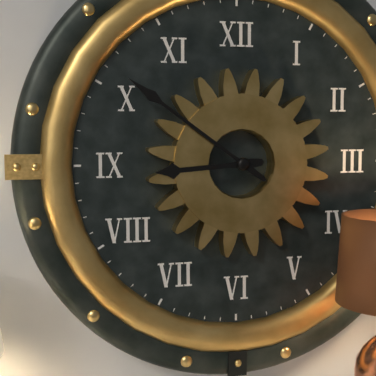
8.51
